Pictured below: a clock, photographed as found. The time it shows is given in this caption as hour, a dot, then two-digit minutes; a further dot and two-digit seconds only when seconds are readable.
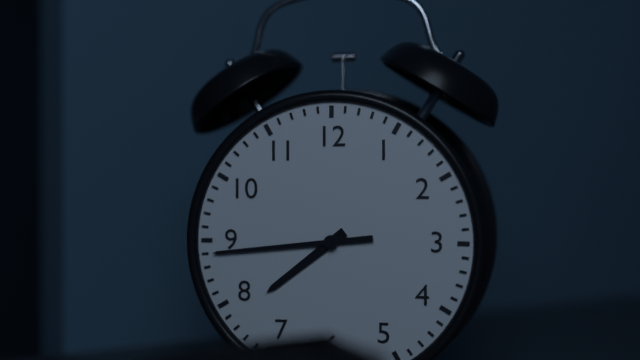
7.44
